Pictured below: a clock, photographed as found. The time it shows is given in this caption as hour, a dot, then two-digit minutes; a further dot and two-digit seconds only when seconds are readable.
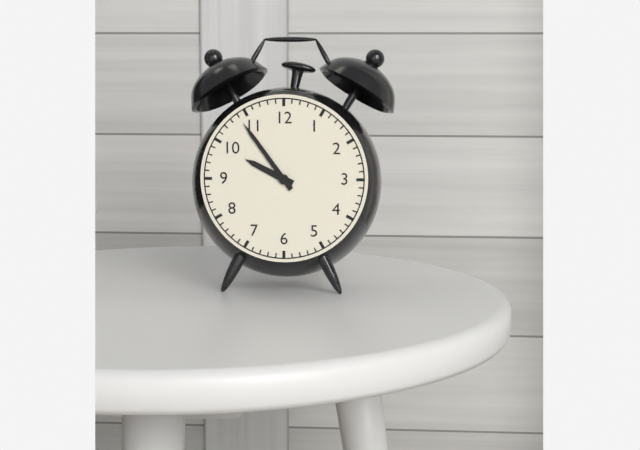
9.54
